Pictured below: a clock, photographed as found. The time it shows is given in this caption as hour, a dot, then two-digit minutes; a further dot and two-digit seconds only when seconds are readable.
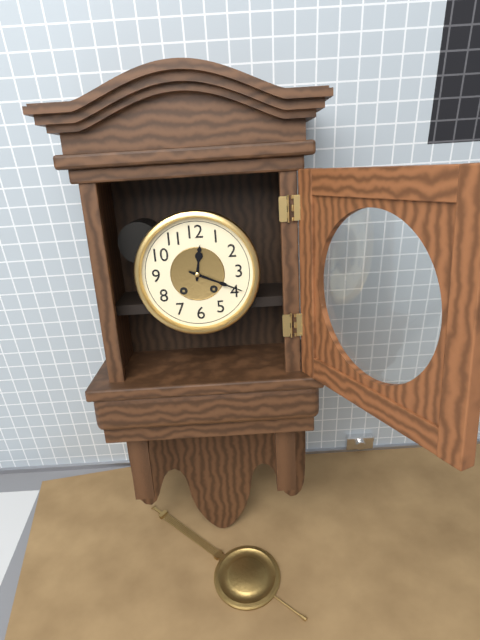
12.19
